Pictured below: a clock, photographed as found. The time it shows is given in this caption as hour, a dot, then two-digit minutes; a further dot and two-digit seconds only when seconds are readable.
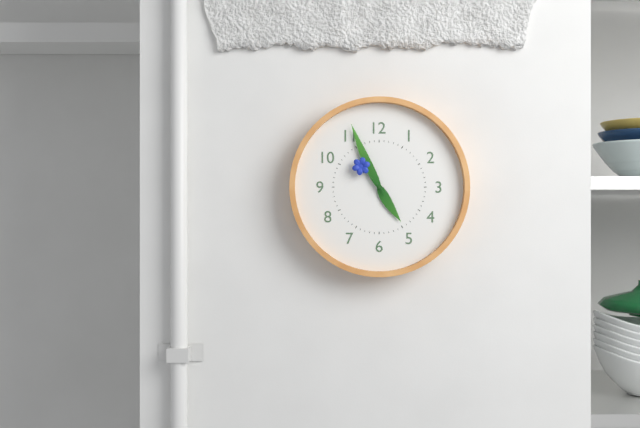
4.56
